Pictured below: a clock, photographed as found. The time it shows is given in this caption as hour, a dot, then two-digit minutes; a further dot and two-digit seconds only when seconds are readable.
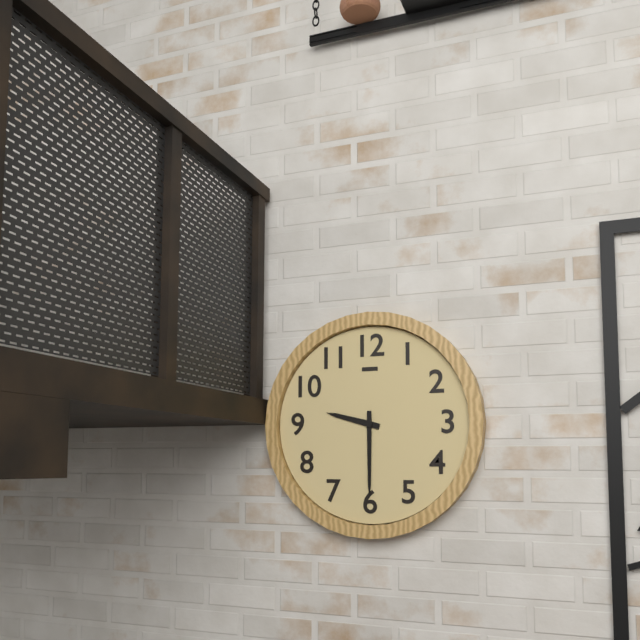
9.30
